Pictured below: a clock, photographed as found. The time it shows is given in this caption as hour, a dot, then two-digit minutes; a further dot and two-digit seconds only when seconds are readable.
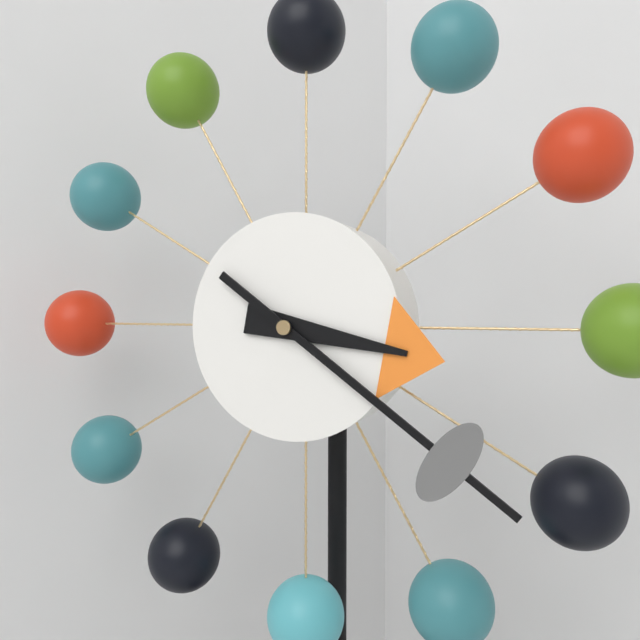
3.21
